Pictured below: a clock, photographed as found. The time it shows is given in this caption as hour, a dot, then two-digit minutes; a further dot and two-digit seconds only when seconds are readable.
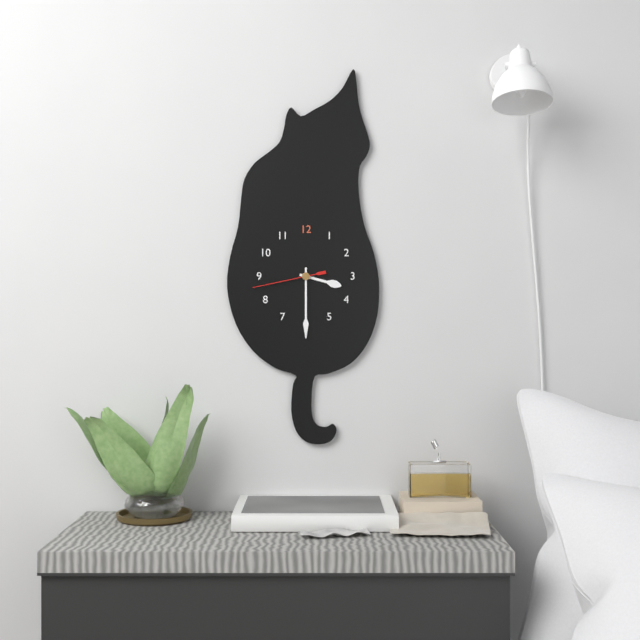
3.30.43
